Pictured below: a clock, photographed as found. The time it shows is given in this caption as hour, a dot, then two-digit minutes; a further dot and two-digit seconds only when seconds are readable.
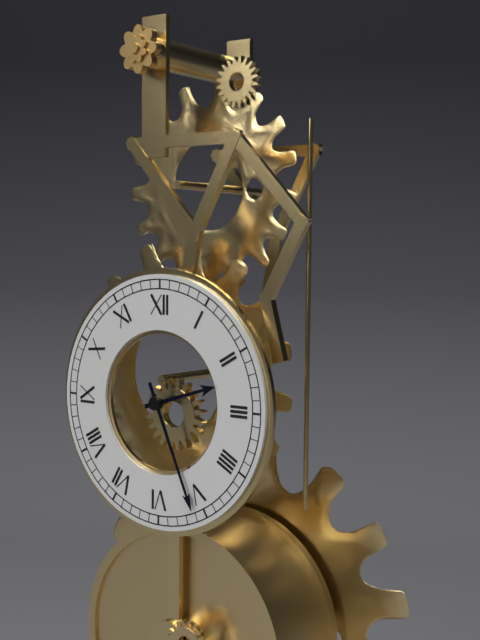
2.26
